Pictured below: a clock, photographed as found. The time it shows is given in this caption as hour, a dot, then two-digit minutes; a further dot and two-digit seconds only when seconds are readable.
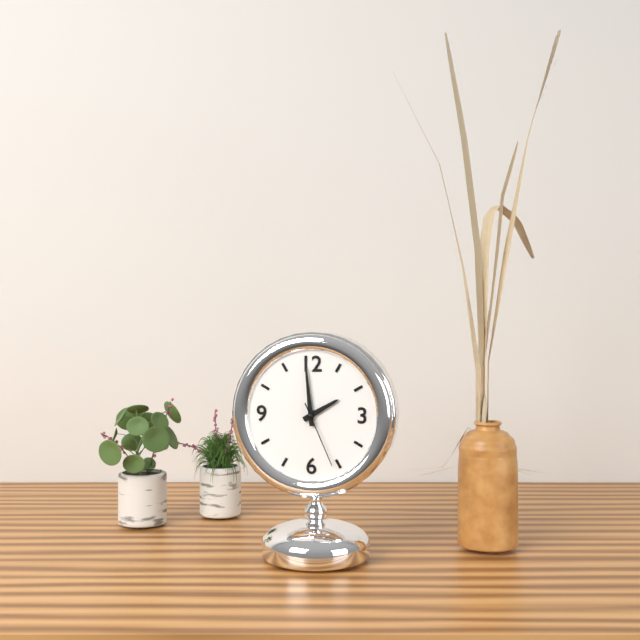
1.59.26
